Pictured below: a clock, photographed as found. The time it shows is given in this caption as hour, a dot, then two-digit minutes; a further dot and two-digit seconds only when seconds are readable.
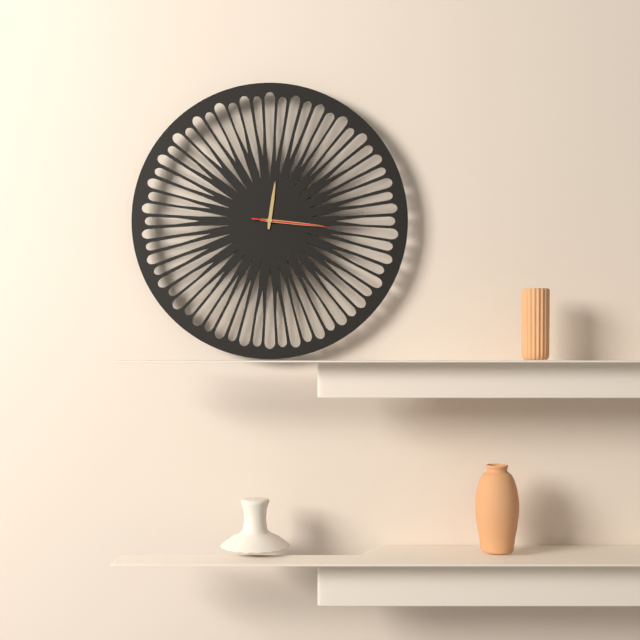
12.16.16
